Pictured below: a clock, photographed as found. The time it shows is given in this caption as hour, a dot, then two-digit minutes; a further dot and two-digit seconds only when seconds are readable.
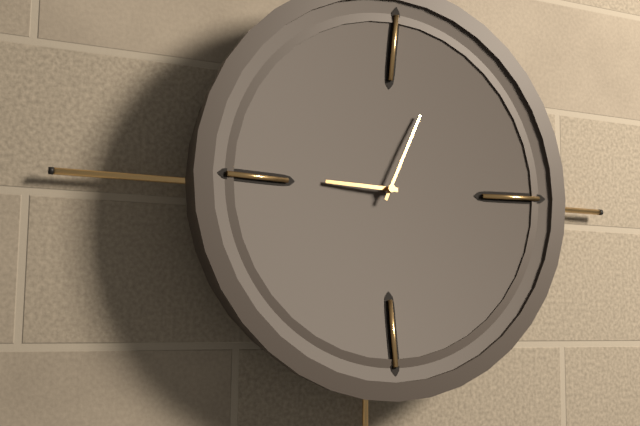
9.04
